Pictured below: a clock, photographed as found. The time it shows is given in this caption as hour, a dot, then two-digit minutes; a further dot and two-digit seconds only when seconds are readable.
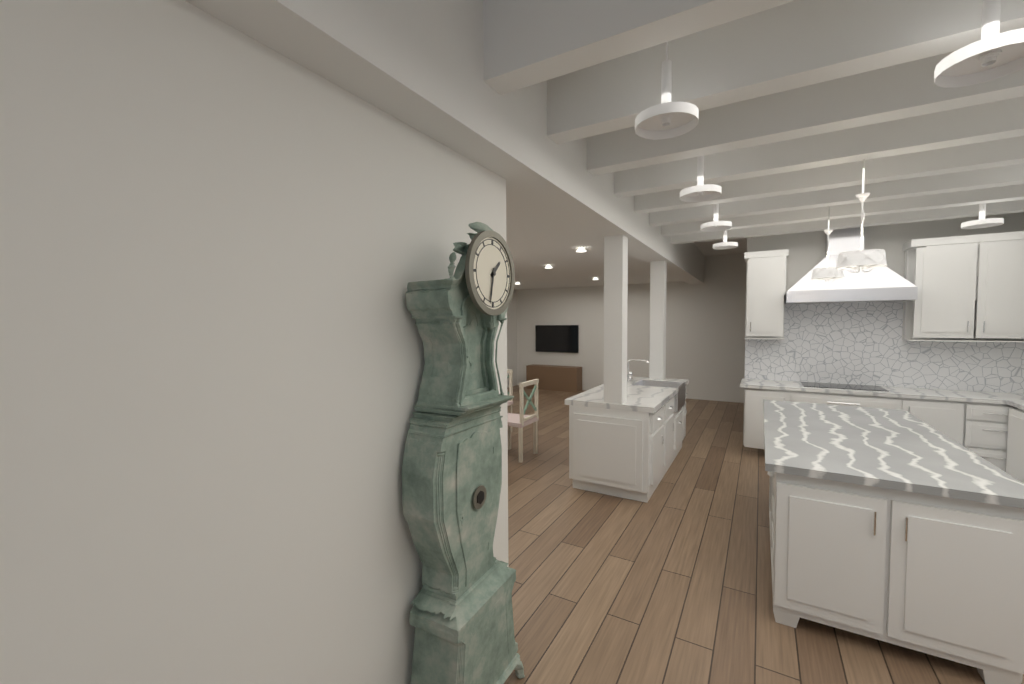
1.32
